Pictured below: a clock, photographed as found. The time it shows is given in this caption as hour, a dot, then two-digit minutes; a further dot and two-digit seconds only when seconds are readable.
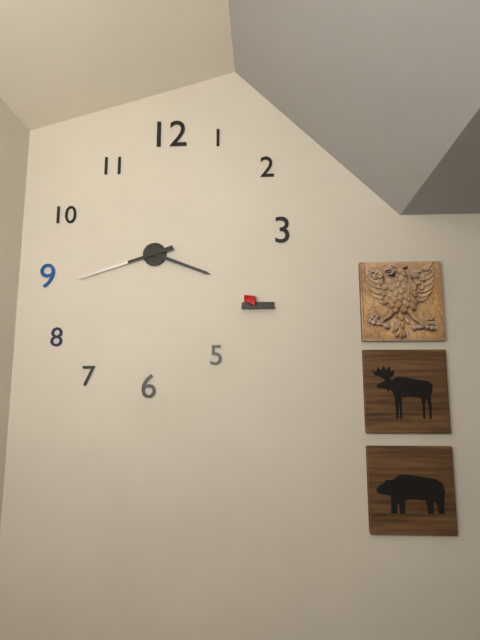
3.42
